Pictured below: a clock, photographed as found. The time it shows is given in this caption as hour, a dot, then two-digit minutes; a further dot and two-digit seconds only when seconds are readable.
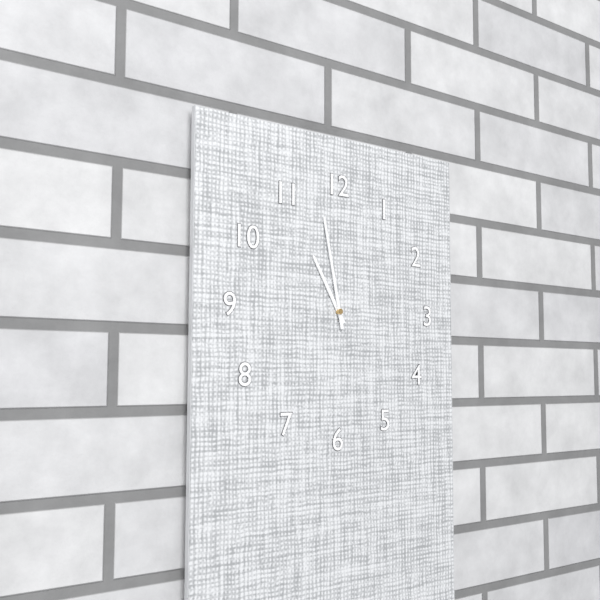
10.58
